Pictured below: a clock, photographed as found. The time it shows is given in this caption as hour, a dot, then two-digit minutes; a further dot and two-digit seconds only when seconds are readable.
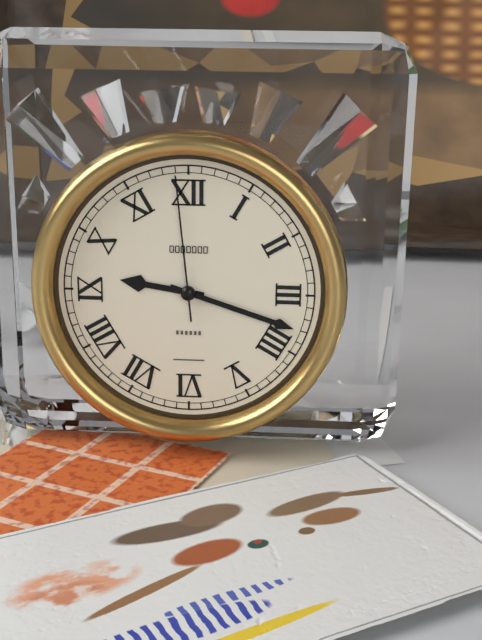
9.18.59
